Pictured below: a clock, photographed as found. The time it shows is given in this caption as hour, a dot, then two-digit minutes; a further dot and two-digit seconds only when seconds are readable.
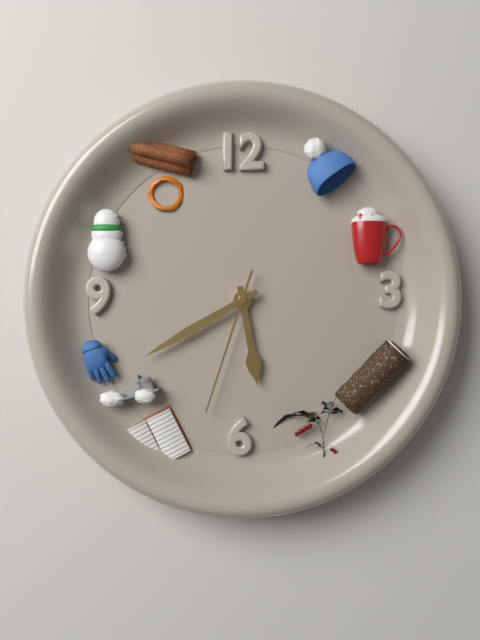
5.40.33
